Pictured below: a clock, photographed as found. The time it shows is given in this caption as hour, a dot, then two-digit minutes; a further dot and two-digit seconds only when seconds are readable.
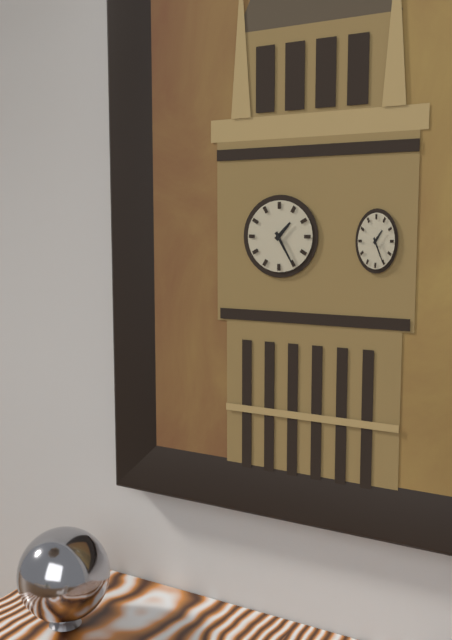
1.25
